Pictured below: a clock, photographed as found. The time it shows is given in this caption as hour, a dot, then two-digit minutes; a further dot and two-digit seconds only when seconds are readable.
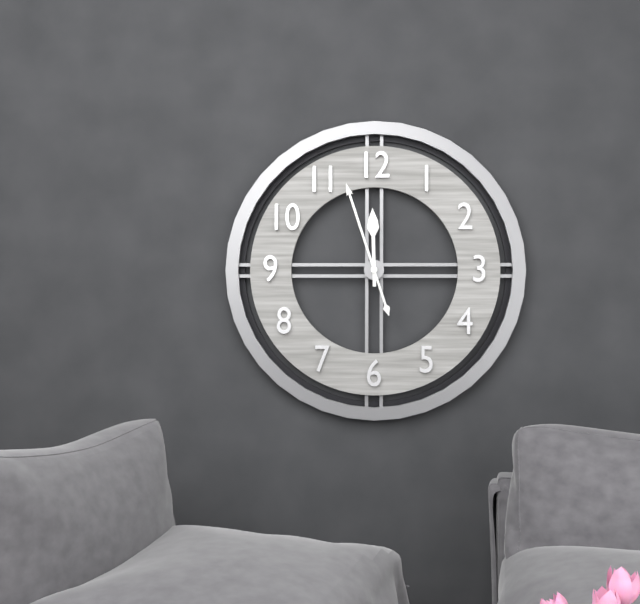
11.57
